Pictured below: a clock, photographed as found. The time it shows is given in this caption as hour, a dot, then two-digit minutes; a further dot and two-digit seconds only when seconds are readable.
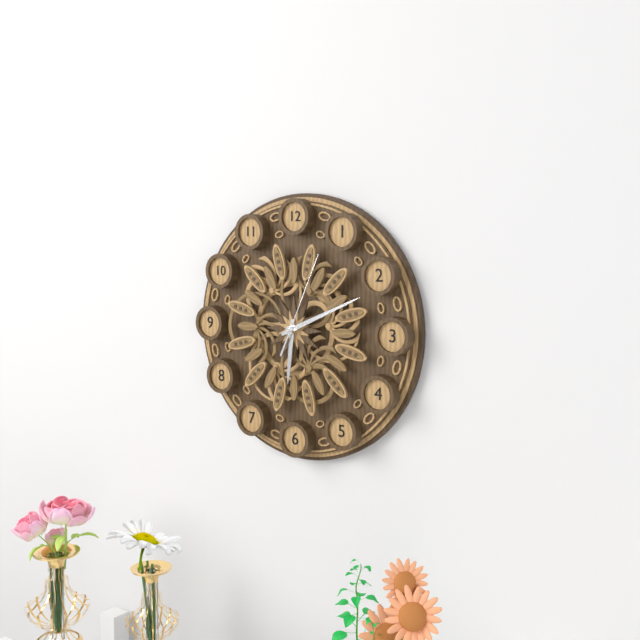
6.11.04
